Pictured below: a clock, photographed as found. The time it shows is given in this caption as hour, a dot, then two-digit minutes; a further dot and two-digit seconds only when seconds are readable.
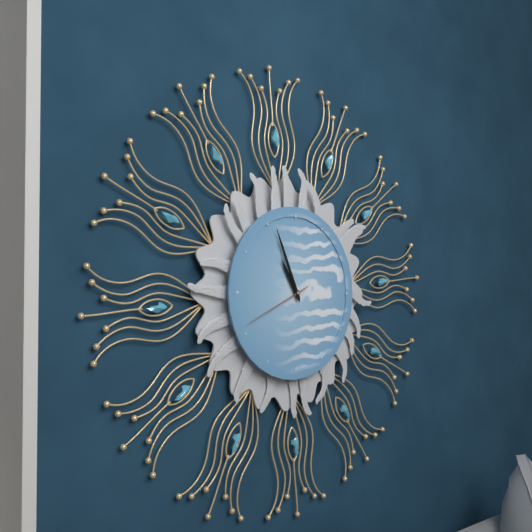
10.56.41
